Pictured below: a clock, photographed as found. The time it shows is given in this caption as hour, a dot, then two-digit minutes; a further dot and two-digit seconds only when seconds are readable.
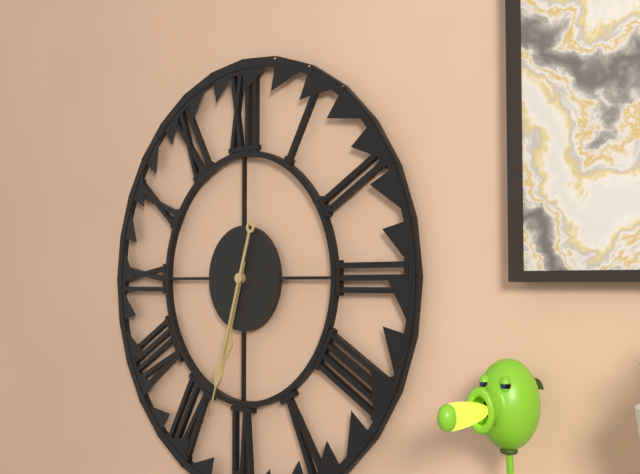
6.33
